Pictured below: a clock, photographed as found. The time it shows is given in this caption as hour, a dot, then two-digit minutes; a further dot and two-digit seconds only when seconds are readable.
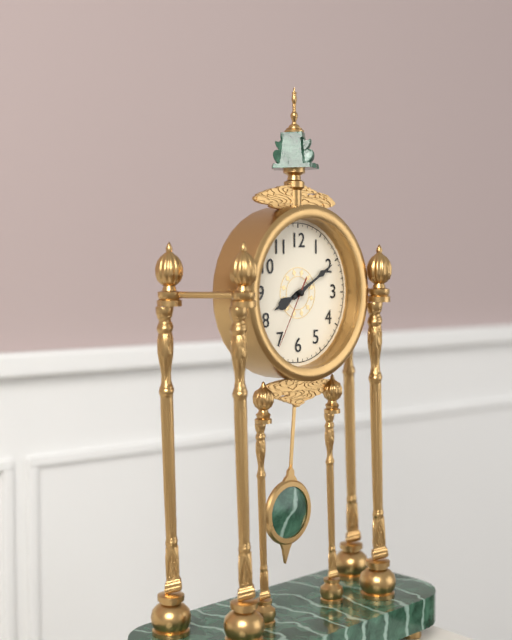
8.10.35
